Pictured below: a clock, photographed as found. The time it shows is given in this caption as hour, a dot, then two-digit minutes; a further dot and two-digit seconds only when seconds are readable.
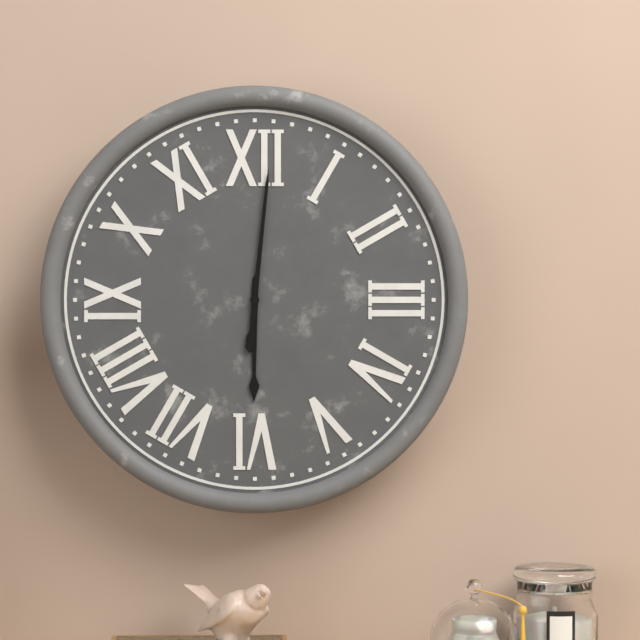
6.01
